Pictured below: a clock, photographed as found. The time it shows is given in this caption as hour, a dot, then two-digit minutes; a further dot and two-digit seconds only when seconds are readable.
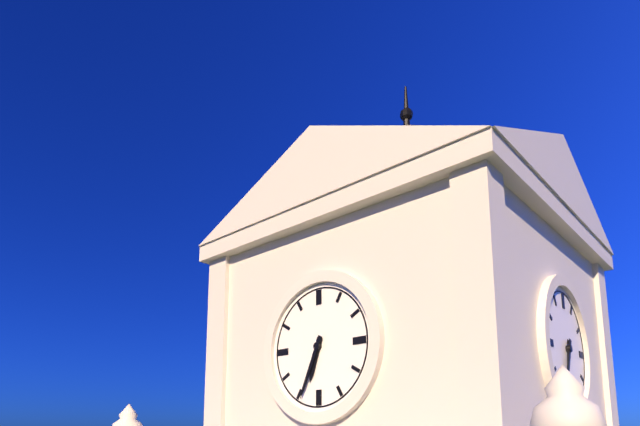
6.34
